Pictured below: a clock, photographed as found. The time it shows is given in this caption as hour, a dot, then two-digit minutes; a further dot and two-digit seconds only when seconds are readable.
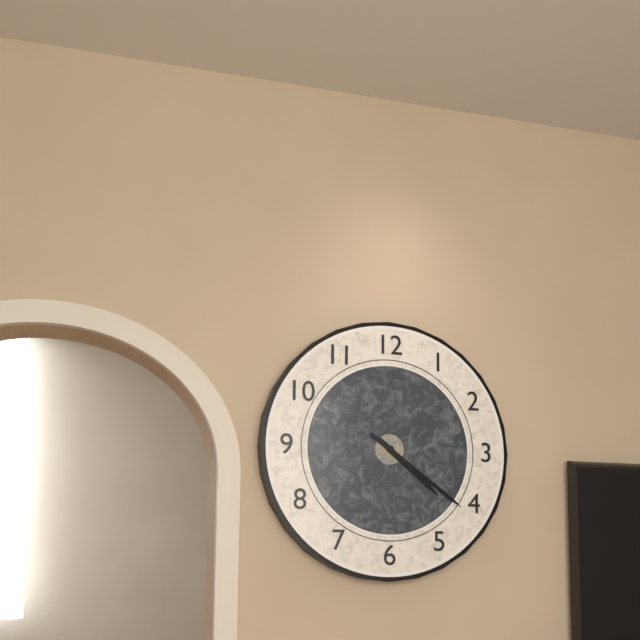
4.21
